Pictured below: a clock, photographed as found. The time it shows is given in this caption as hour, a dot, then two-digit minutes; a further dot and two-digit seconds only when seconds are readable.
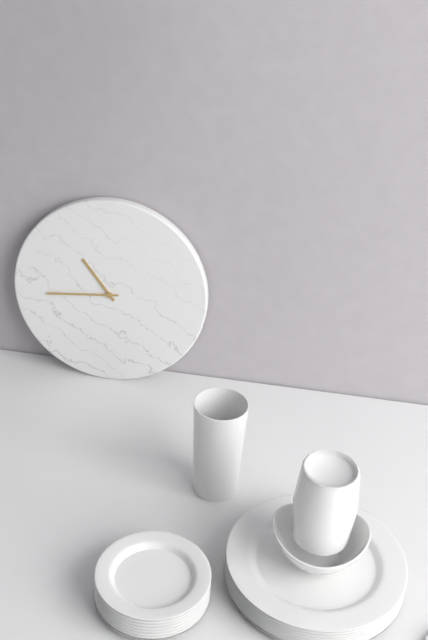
10.44
